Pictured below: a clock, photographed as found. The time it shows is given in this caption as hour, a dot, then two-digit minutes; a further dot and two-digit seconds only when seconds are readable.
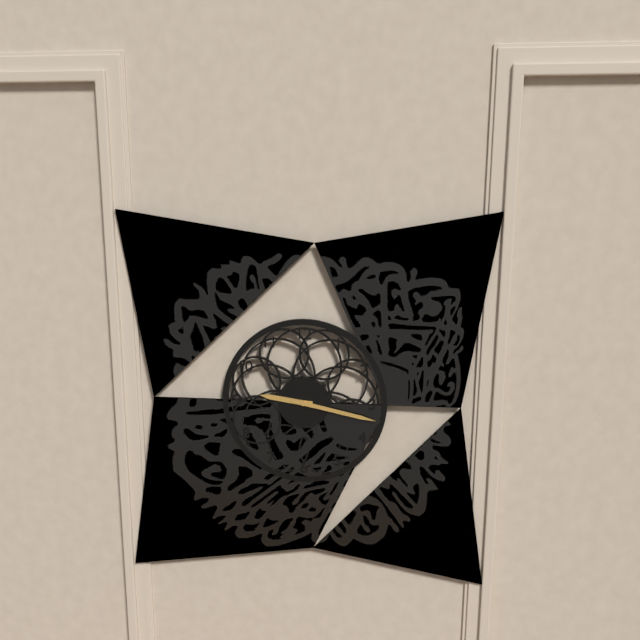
9.17
